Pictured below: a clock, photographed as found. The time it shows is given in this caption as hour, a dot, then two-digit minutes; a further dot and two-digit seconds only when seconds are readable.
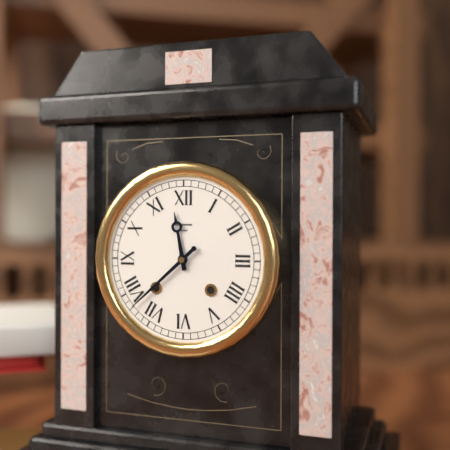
11.38
